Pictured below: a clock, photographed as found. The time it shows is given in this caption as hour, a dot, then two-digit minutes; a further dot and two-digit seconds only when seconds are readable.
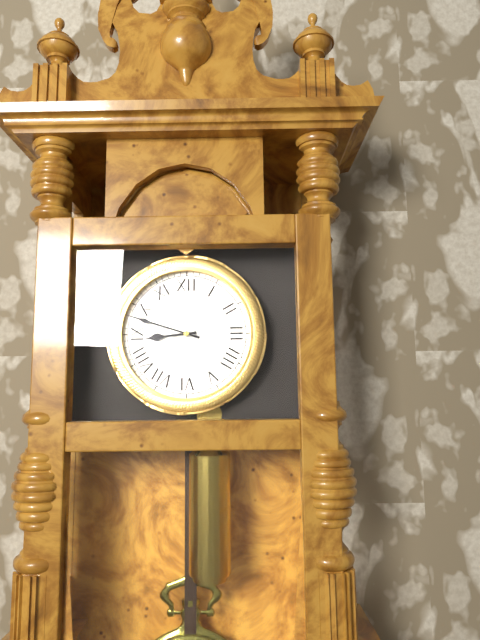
8.48
